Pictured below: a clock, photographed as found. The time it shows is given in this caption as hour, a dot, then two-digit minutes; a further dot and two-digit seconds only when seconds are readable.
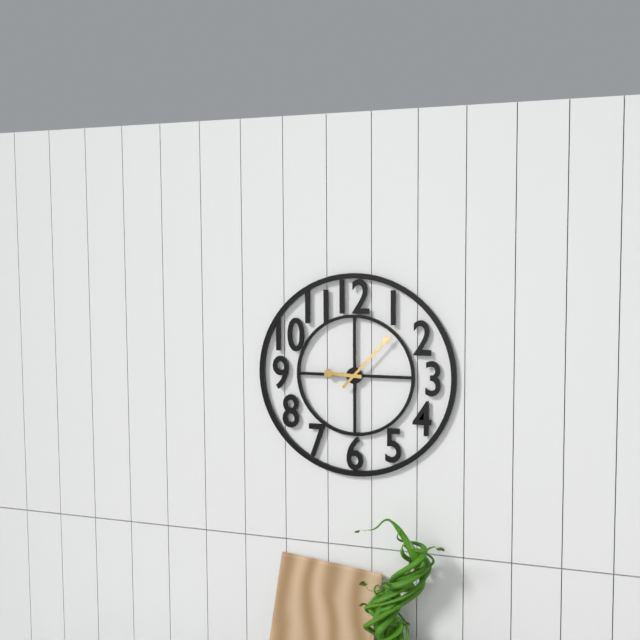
9.07
